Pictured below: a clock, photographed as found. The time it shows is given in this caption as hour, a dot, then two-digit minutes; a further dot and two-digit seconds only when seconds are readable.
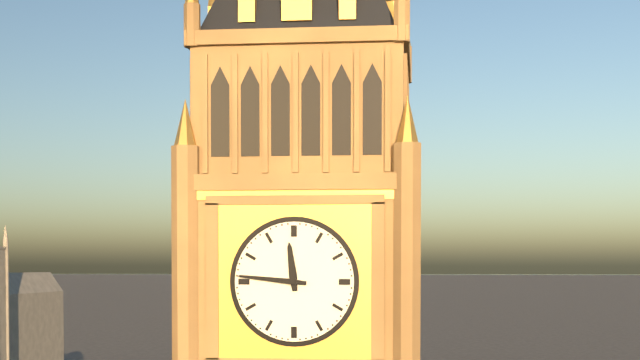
11.46
